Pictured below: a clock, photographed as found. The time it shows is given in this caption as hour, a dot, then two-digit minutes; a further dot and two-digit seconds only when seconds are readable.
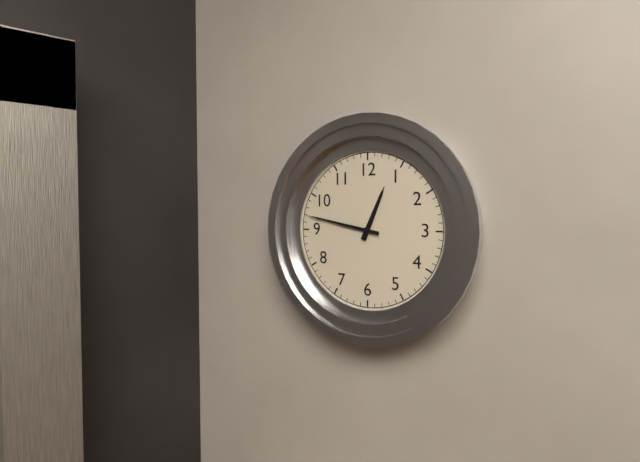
12.47
